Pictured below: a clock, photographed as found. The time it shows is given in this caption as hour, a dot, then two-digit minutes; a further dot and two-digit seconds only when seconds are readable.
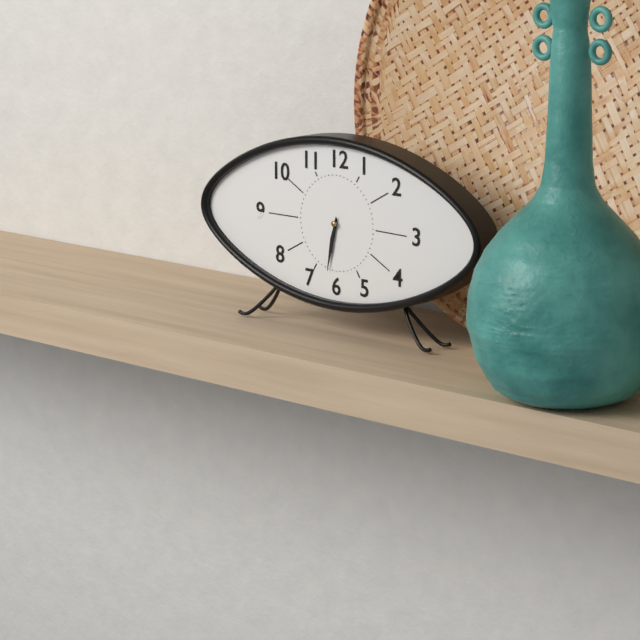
6.32
